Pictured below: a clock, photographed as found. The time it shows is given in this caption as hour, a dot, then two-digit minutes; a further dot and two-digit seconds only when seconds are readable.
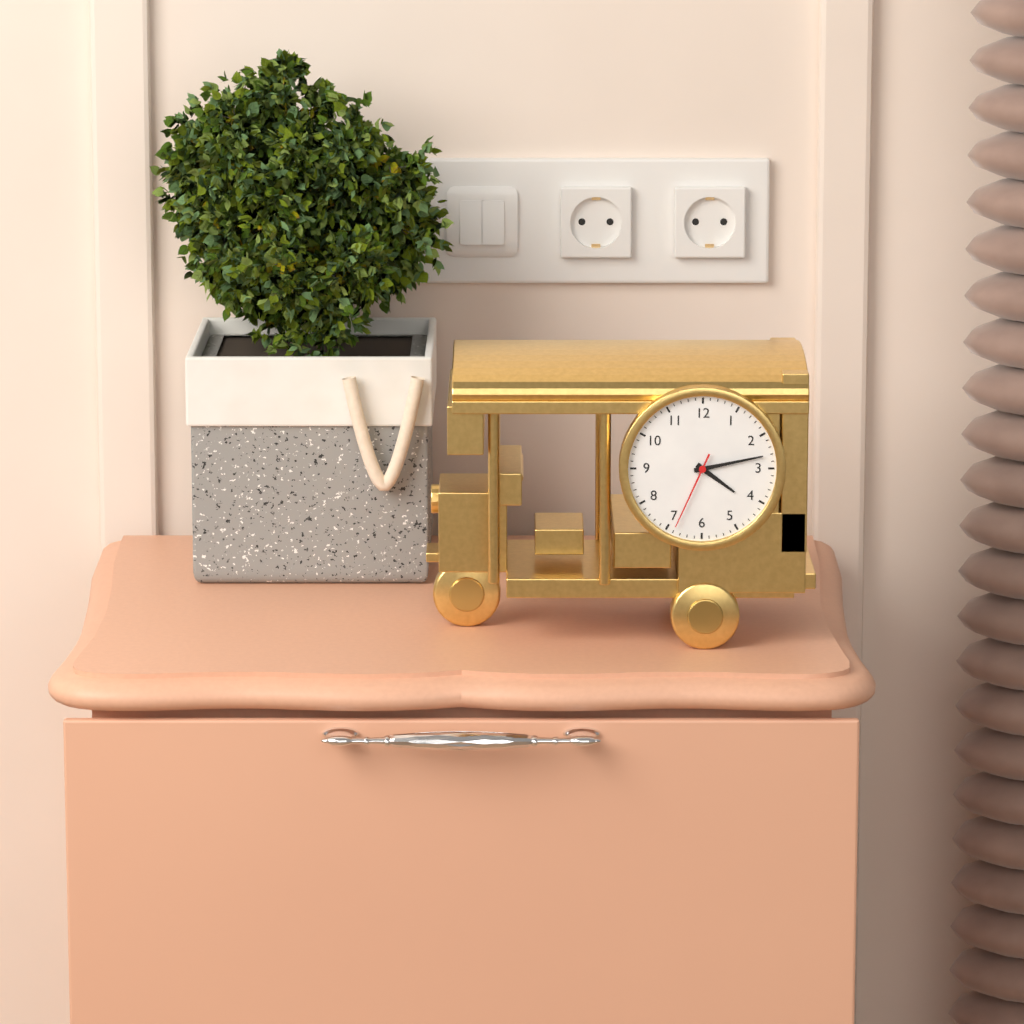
4.13.34
